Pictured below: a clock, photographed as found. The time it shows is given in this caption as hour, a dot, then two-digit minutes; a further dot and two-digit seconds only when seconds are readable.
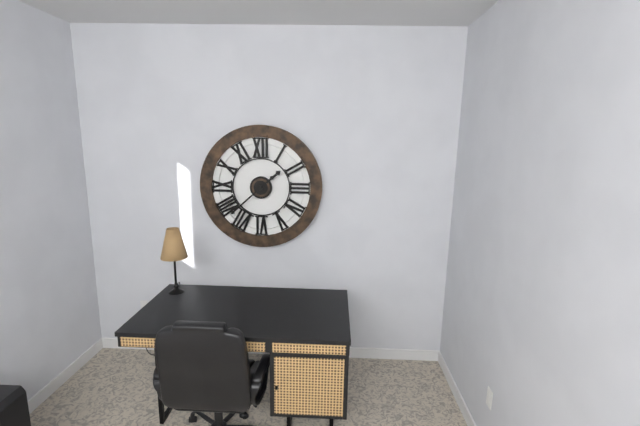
1.38
